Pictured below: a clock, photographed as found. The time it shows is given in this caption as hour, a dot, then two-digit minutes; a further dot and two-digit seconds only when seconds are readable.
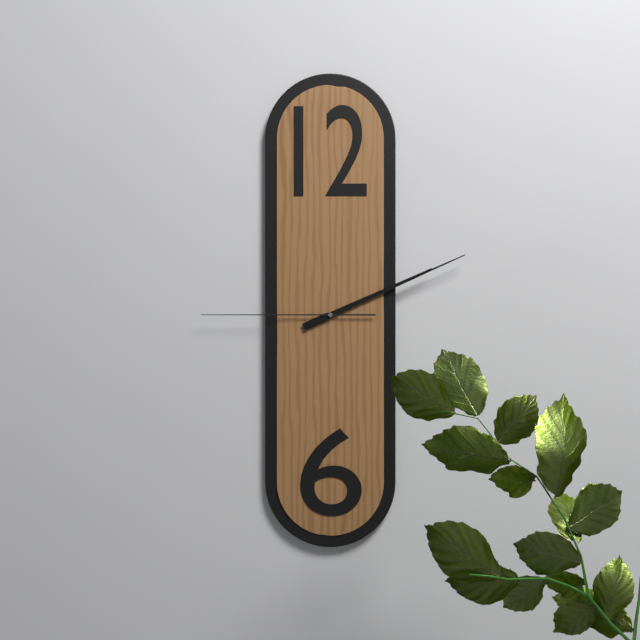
2.11.45
